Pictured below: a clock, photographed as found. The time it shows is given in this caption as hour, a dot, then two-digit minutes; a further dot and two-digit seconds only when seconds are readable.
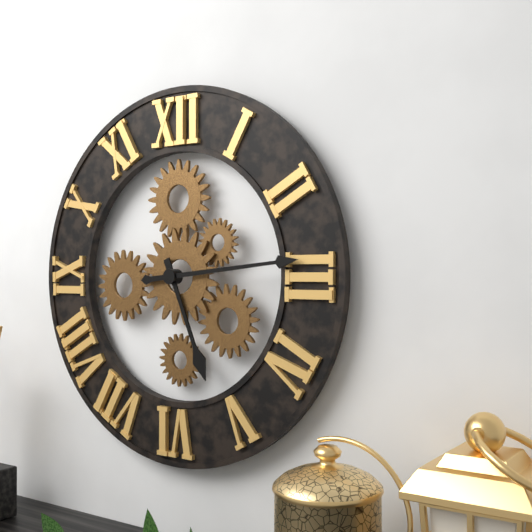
5.14
